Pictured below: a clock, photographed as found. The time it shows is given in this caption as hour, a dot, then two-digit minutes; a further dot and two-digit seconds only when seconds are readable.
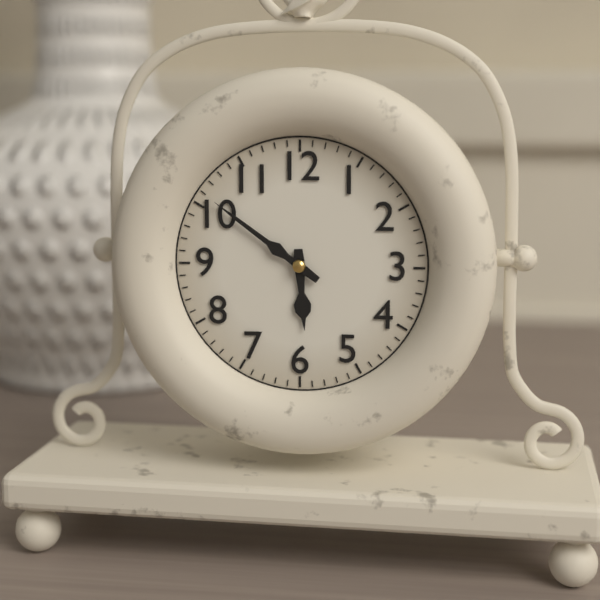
5.51
